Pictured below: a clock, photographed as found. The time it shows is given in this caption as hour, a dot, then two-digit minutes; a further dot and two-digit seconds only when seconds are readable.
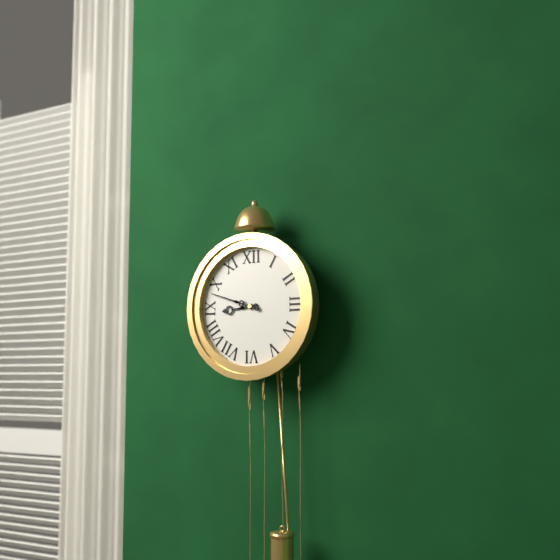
8.48
